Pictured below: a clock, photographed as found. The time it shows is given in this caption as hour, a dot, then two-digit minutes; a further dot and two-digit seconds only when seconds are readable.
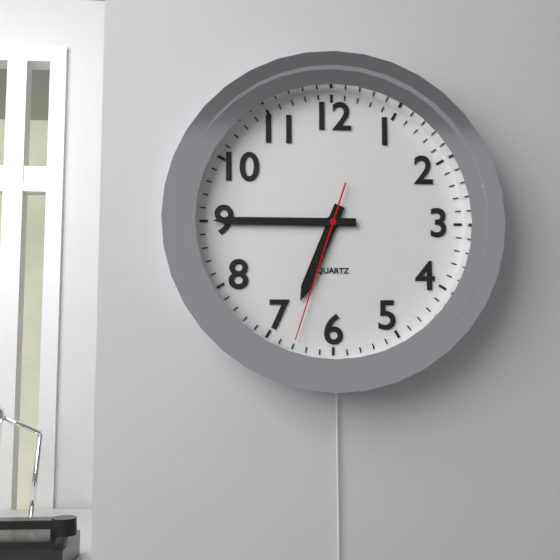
6.45.33
